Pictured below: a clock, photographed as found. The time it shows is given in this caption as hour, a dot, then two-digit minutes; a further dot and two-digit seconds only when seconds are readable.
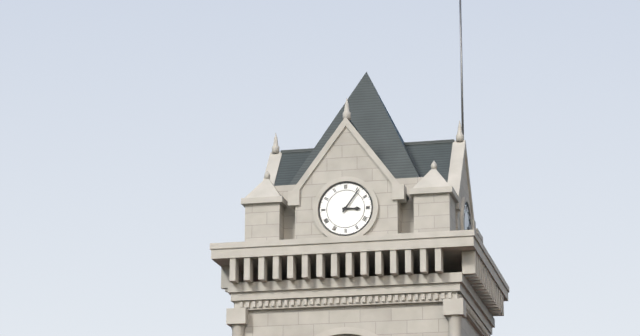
3.06
